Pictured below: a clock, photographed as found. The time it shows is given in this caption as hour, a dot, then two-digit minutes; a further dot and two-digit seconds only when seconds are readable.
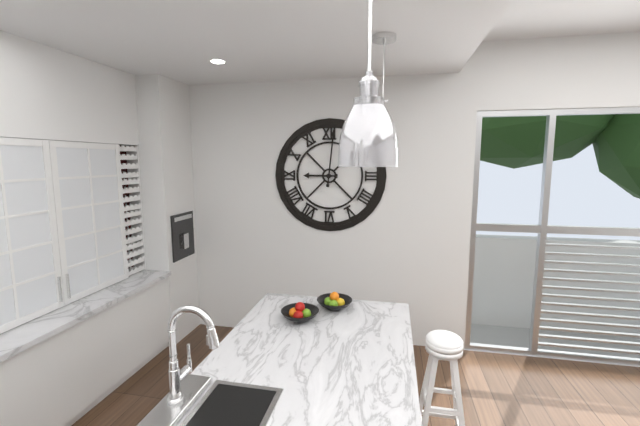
9.01
